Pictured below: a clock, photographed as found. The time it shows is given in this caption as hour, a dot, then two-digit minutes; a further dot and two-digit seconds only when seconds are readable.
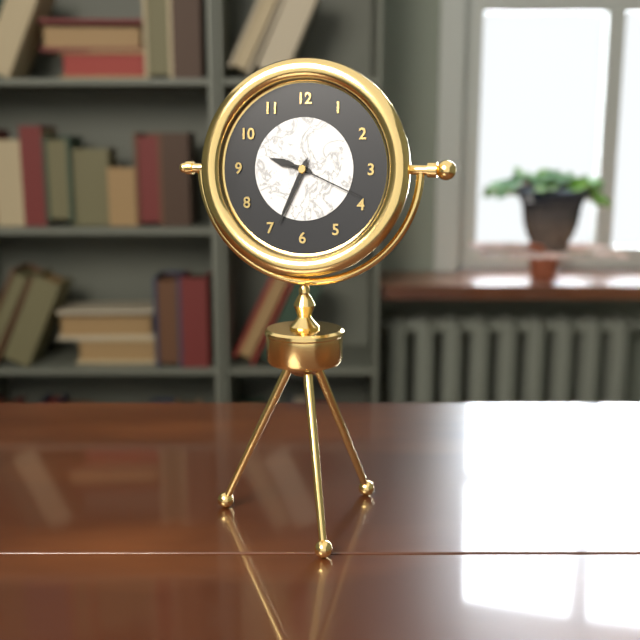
9.34.19
